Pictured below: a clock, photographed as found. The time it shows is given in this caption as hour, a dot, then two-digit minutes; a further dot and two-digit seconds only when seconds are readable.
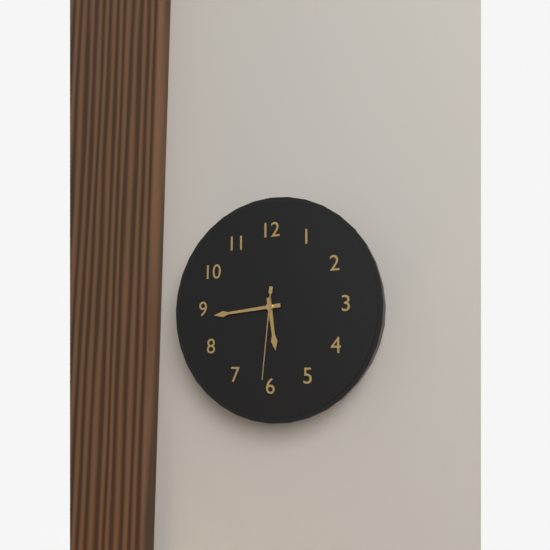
5.44.31
